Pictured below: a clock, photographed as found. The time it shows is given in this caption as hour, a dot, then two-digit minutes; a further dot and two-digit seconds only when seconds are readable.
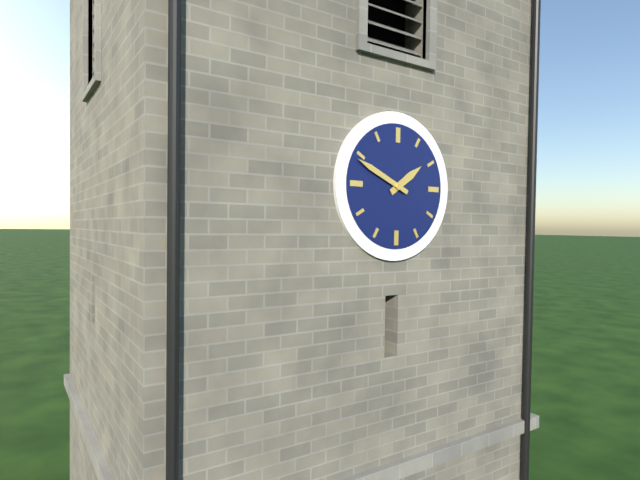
1.49
